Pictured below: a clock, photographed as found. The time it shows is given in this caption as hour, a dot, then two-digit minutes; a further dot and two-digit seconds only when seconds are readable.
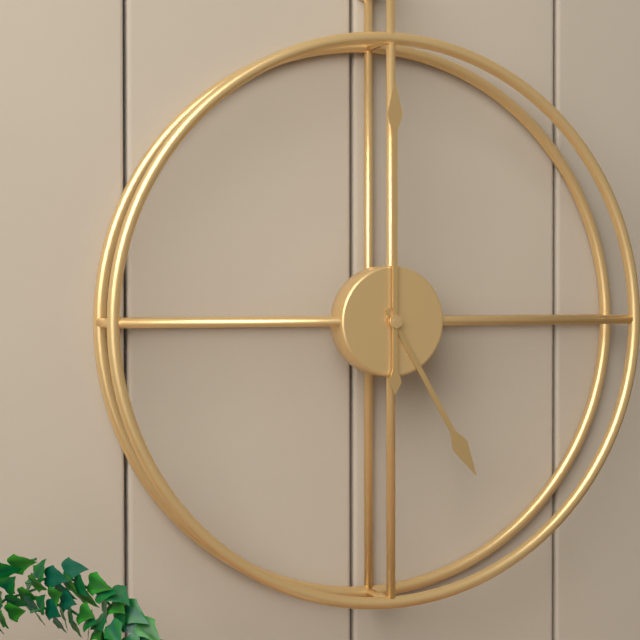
5.00
